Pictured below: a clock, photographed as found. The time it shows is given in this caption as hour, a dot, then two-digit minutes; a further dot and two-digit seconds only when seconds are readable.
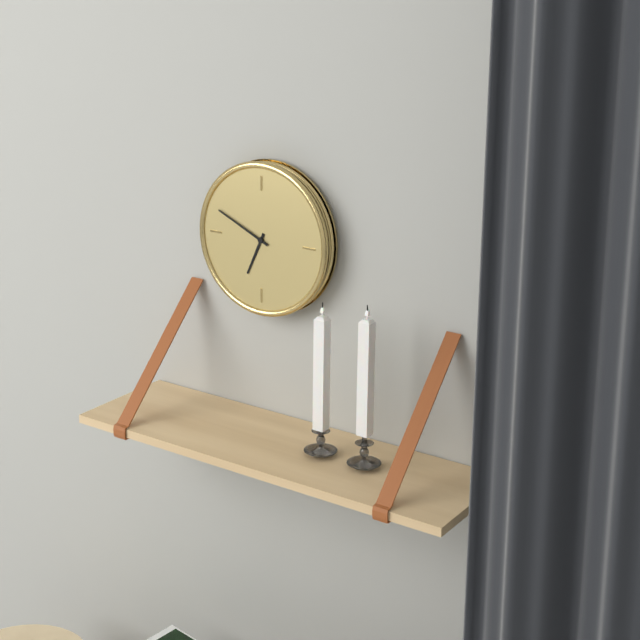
6.49
